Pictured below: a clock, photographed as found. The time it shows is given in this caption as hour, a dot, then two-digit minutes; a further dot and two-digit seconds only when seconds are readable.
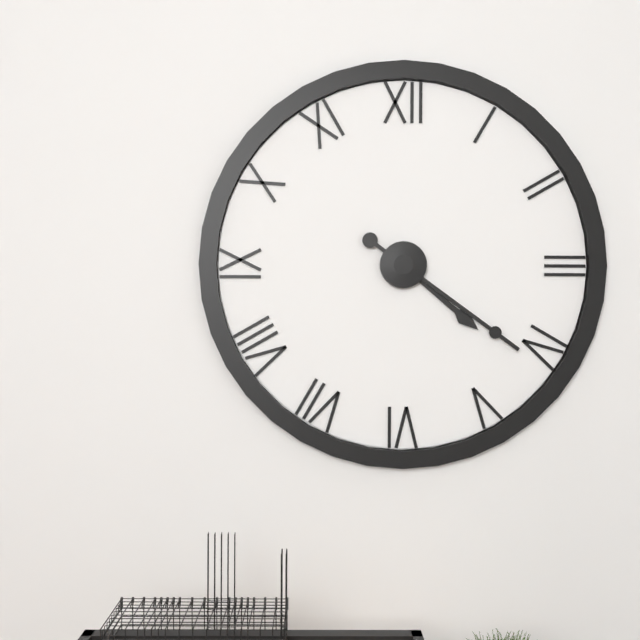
4.21
